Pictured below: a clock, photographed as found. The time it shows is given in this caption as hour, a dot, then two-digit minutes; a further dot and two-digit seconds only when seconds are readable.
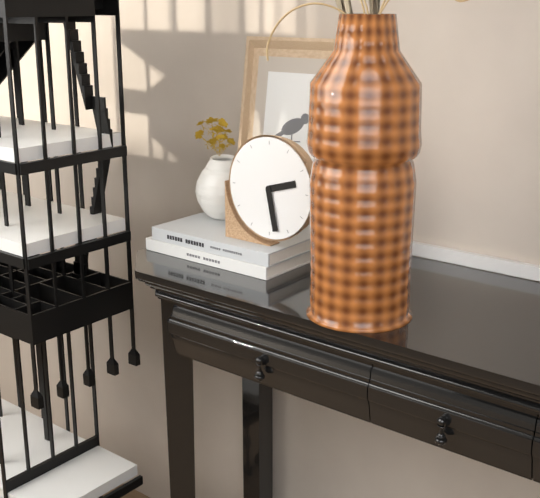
2.28
